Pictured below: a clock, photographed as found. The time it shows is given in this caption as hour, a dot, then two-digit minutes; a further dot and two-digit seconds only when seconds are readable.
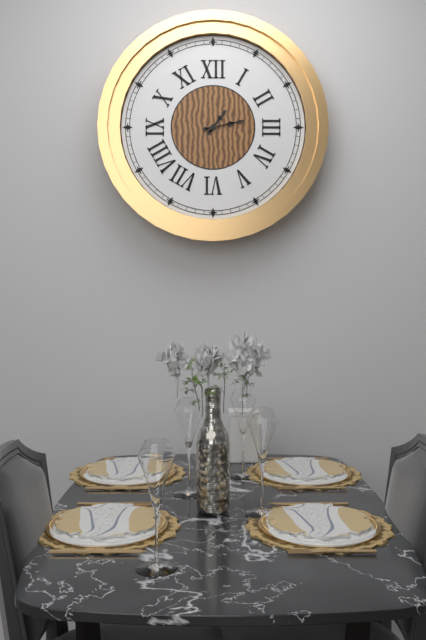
1.13
